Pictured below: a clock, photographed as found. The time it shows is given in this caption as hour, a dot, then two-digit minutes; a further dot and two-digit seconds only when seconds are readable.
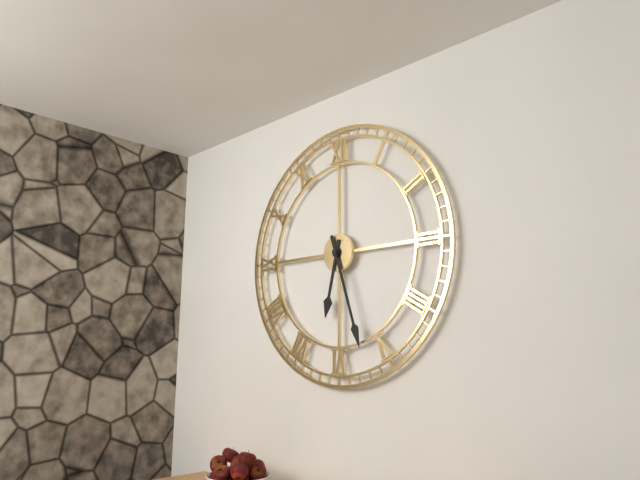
6.27
